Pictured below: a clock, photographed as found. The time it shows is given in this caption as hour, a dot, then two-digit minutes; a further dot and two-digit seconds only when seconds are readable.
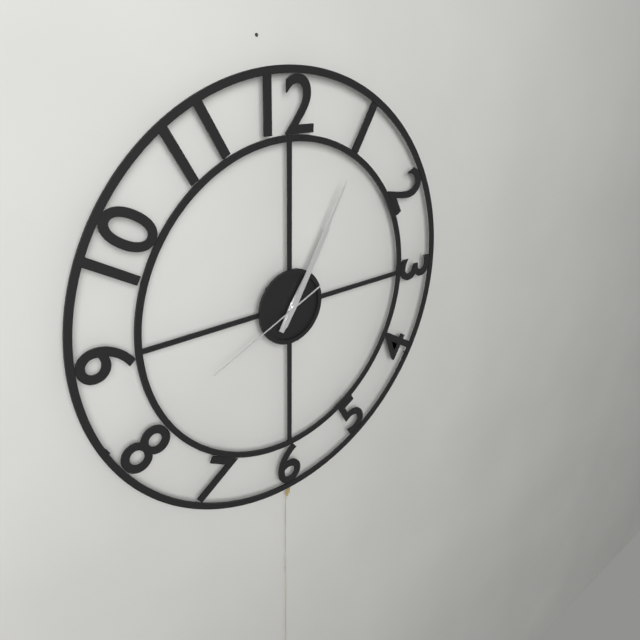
1.05.41
